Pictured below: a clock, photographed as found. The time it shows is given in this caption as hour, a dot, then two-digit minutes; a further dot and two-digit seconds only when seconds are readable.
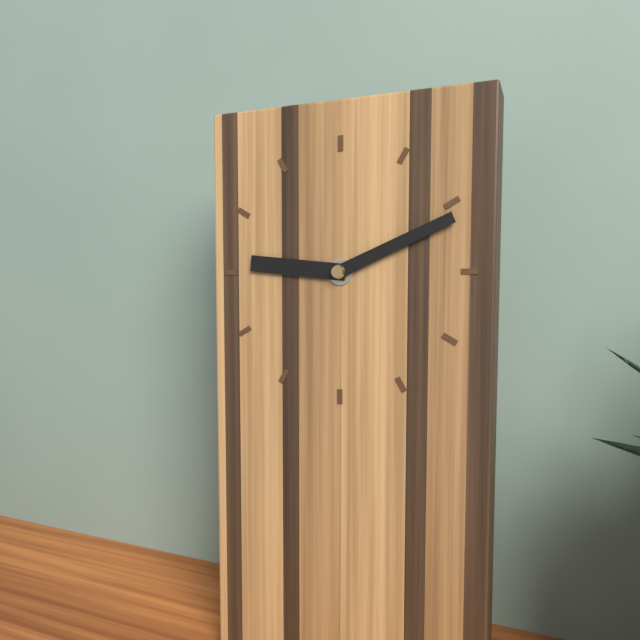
9.11
